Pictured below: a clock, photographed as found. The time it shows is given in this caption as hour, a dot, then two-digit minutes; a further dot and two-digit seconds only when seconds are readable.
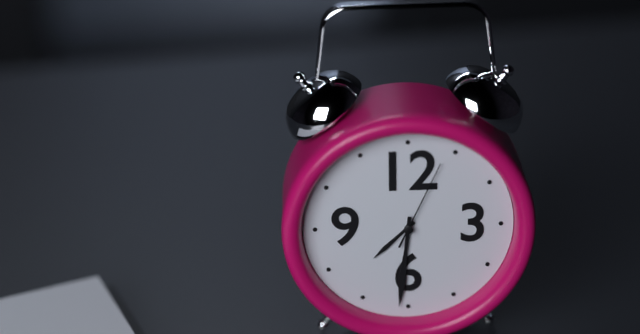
7.31.04
